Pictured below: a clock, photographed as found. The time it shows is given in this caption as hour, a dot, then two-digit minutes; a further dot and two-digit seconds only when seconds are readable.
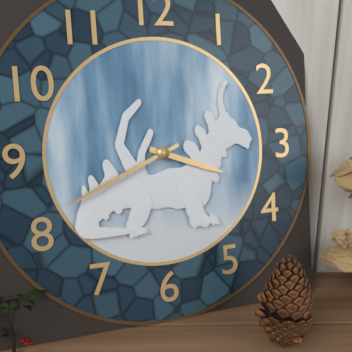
3.41
